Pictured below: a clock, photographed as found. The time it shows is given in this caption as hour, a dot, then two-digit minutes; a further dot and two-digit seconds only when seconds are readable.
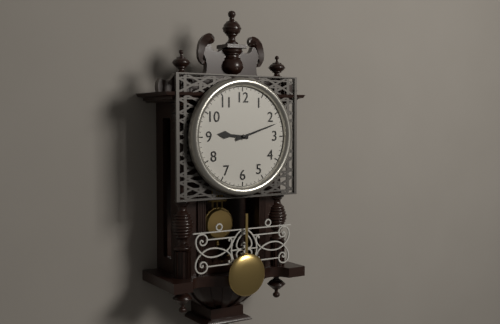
9.12
